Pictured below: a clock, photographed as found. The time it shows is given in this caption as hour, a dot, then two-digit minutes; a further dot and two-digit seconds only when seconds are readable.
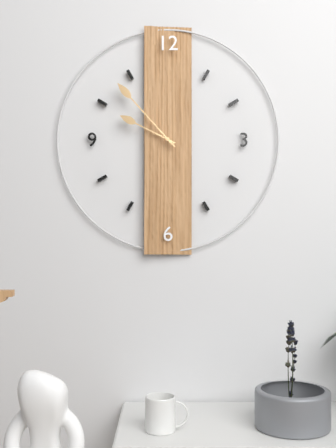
9.53
